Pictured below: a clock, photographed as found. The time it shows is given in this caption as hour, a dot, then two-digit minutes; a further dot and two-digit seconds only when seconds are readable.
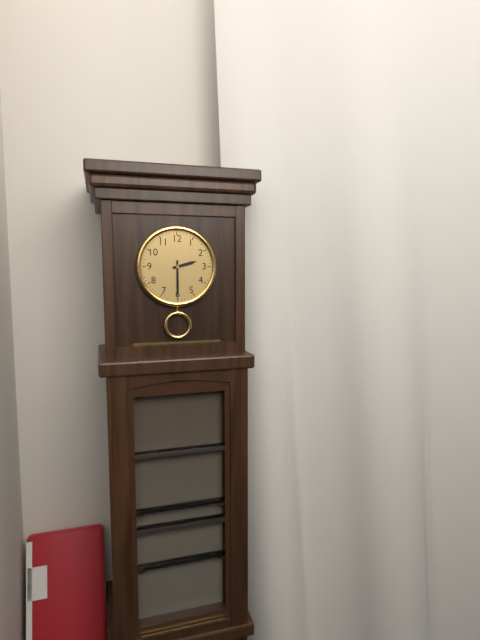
2.30
